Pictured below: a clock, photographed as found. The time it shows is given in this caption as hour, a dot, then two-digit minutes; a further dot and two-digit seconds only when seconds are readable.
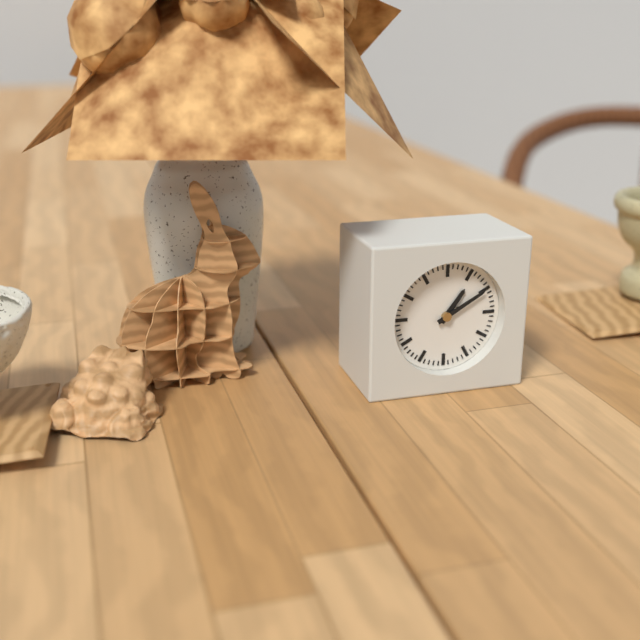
1.10
